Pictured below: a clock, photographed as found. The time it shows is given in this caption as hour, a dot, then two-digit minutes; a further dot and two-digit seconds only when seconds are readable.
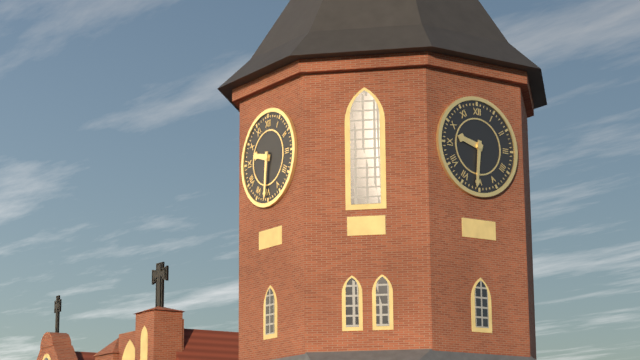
9.31
